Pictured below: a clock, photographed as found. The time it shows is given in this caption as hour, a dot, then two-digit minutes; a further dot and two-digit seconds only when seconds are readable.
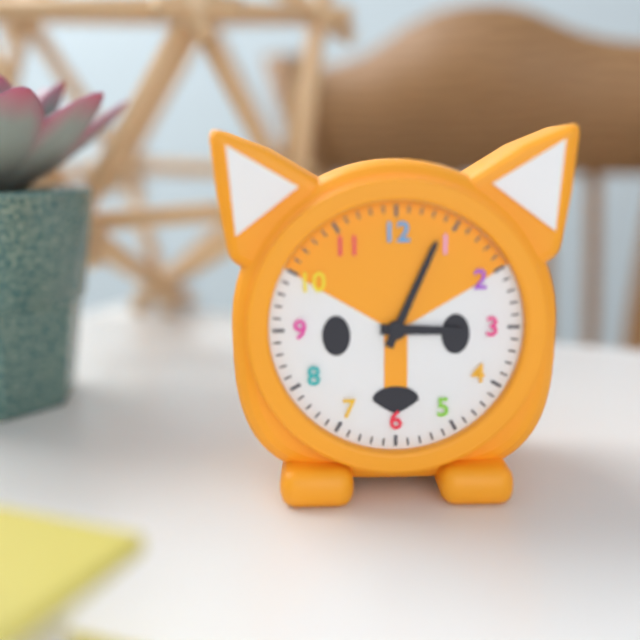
3.04
